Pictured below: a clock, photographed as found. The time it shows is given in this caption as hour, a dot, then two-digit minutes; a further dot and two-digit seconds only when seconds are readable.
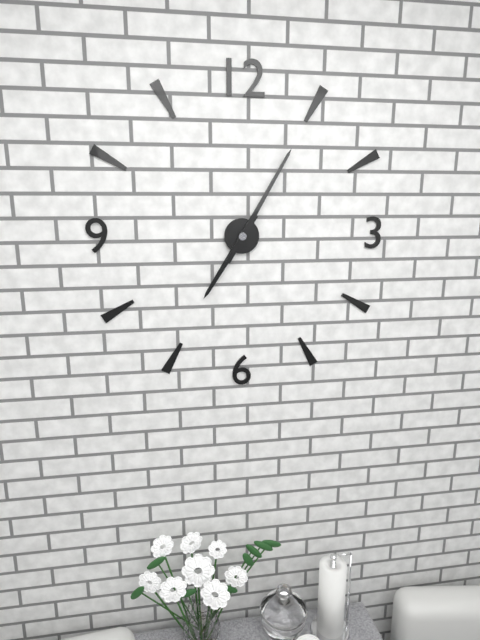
7.05
